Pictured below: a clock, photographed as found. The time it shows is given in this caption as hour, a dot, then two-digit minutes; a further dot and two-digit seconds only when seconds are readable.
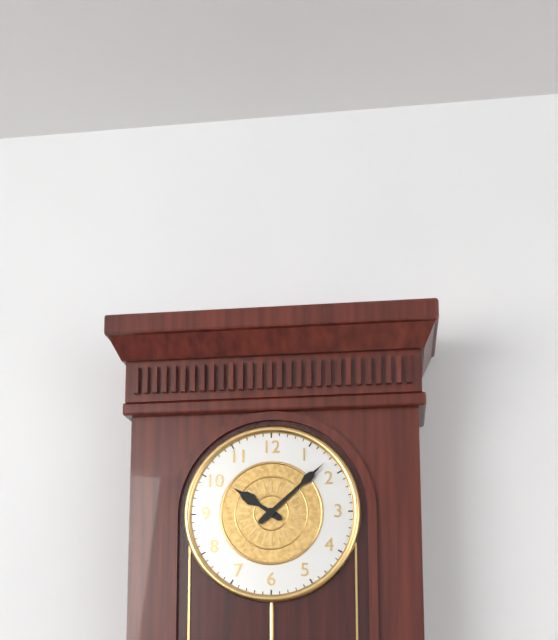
10.08
